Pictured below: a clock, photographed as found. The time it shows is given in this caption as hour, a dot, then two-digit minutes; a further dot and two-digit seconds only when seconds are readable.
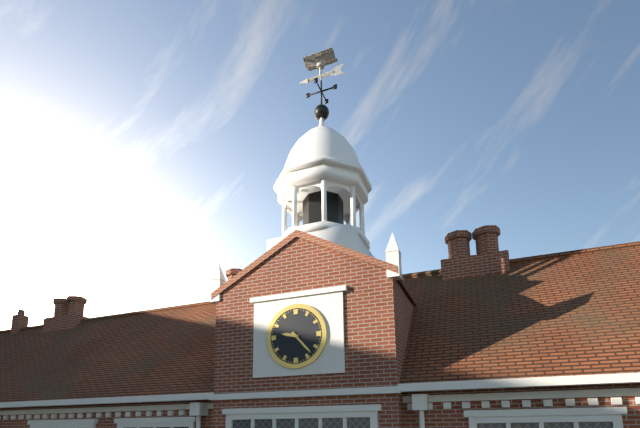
9.23
